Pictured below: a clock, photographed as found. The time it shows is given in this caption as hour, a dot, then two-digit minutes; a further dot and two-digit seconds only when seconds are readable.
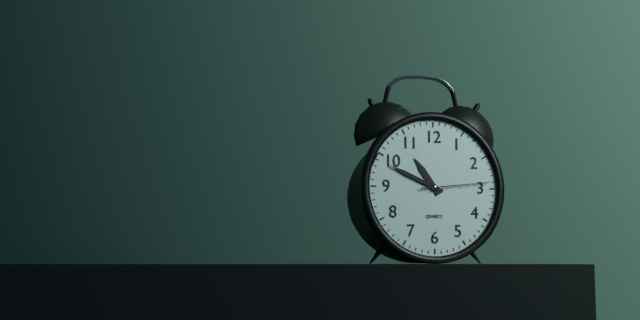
10.49.14
